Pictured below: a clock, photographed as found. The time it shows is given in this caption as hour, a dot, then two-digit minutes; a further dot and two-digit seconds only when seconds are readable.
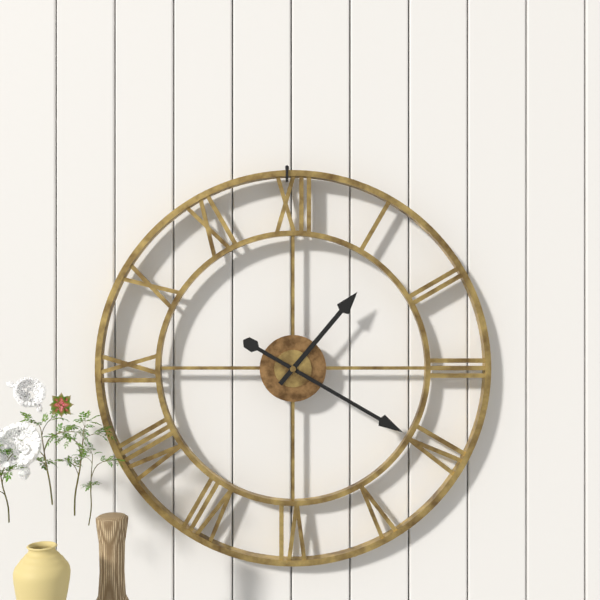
1.20
